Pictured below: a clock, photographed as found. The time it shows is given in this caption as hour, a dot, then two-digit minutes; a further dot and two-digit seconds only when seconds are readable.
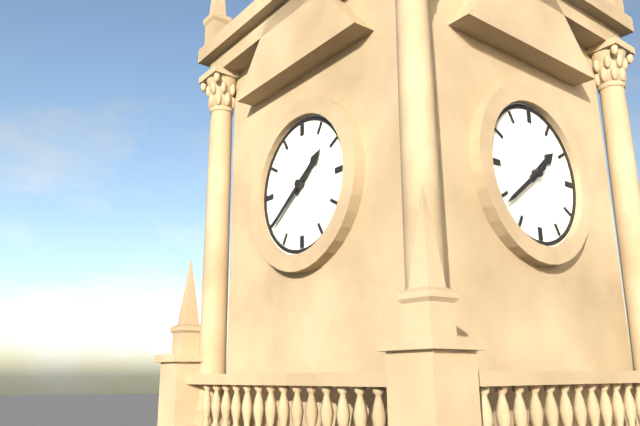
1.39
